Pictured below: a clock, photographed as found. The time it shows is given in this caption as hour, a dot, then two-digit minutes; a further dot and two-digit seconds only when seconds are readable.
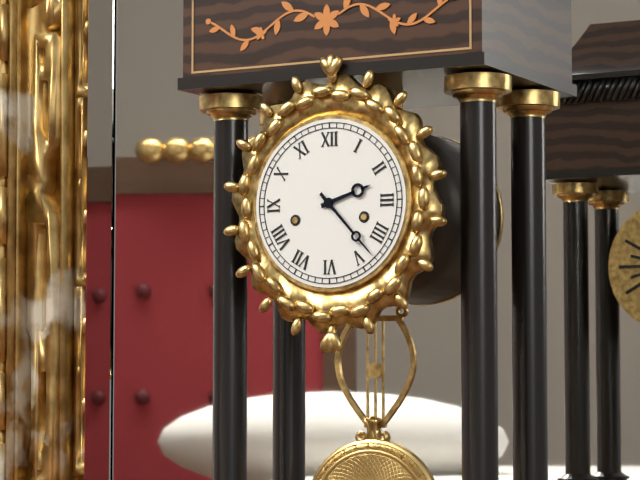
2.23
